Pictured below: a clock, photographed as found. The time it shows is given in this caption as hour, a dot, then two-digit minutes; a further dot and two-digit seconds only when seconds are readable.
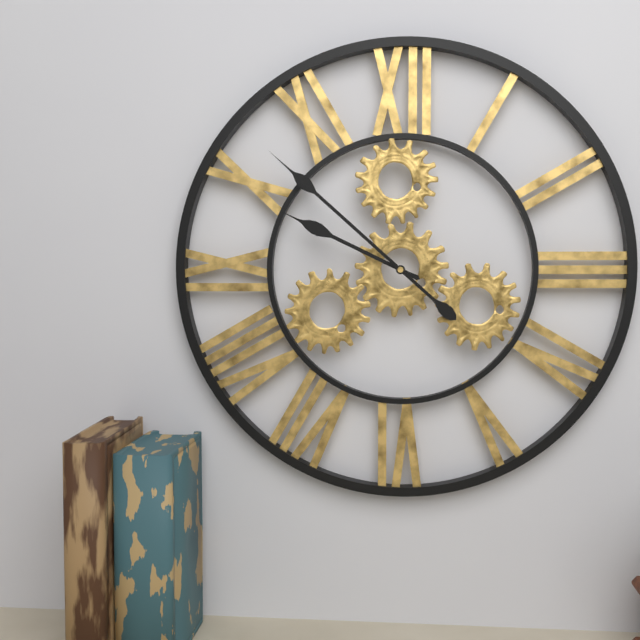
9.52
